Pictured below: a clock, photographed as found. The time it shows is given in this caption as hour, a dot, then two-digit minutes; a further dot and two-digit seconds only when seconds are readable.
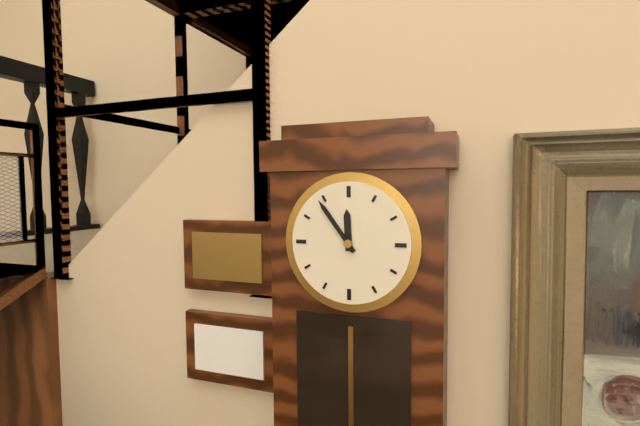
11.54
